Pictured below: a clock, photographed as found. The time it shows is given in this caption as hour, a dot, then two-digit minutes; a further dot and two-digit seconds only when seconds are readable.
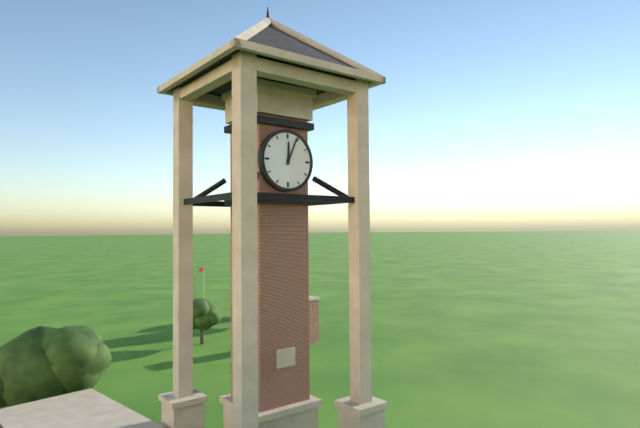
12.04
